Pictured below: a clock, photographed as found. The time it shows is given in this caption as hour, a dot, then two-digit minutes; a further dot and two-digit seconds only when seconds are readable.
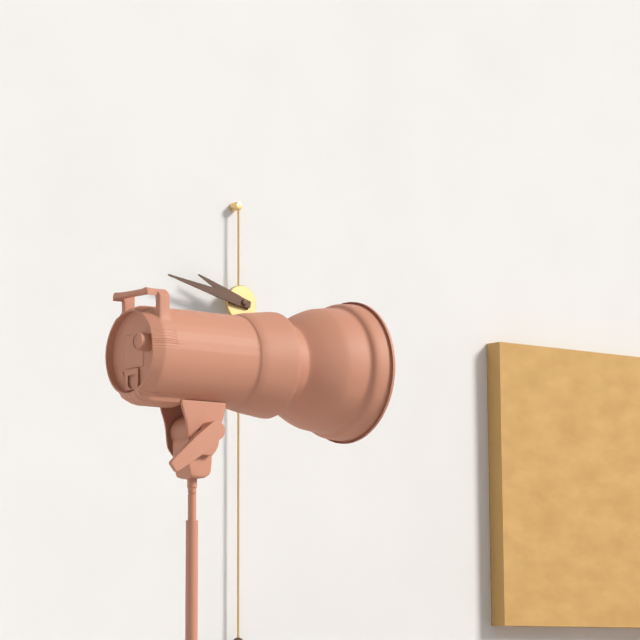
9.47
